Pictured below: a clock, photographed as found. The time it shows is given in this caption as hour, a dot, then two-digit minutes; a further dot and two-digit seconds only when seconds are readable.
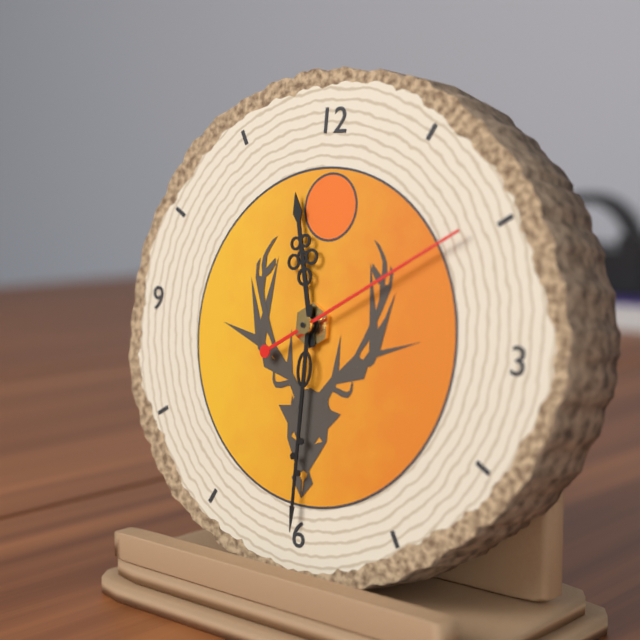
11.30.10
